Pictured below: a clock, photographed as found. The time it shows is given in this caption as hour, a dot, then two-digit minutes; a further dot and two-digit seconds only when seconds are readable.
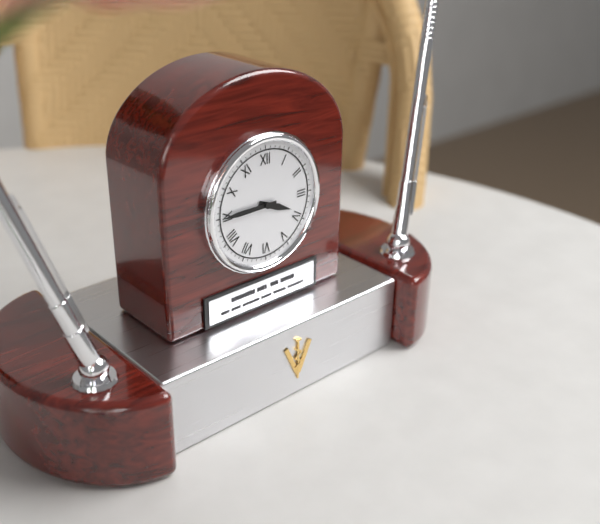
3.45
